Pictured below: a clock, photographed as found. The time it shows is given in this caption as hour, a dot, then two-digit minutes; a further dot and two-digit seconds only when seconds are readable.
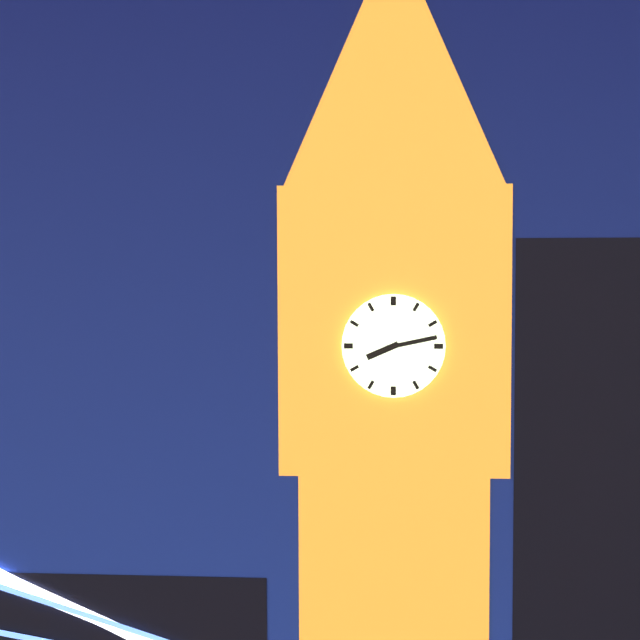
8.13
